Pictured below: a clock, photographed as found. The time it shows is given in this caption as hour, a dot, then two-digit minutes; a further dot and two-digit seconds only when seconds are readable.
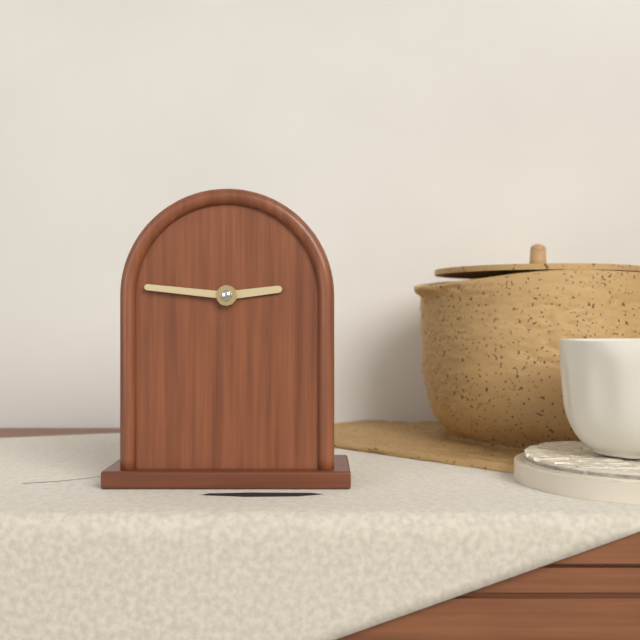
2.46
